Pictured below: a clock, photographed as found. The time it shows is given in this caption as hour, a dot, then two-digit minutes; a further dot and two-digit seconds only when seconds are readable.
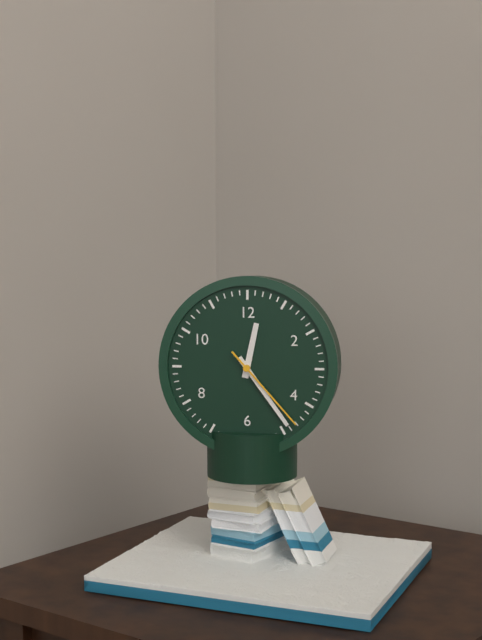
12.24.23
